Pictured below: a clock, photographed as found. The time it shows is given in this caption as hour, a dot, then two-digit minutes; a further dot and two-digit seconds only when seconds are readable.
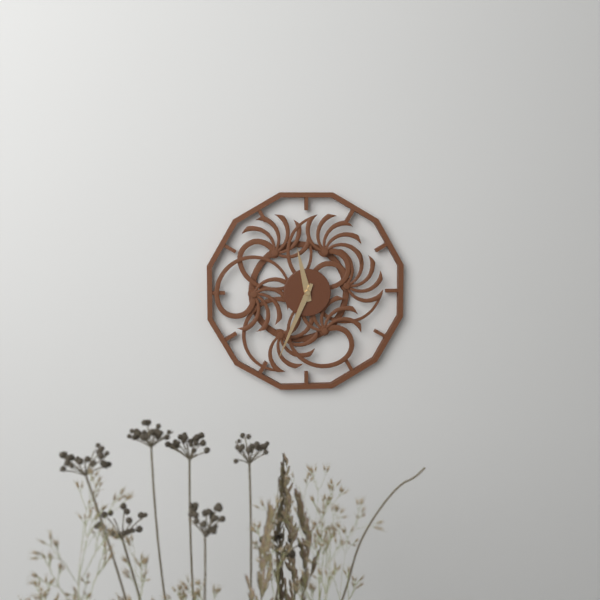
11.34
